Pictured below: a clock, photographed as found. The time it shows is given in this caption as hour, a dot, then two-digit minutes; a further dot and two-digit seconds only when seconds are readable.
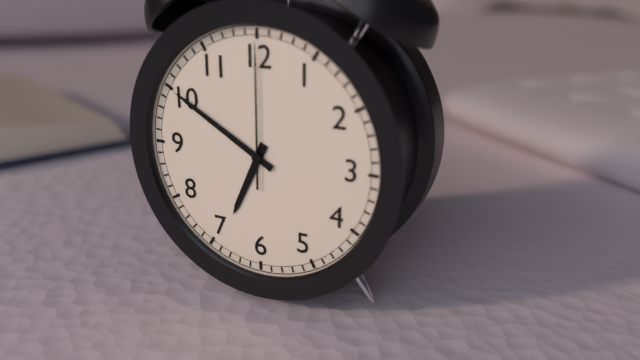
6.50.00
